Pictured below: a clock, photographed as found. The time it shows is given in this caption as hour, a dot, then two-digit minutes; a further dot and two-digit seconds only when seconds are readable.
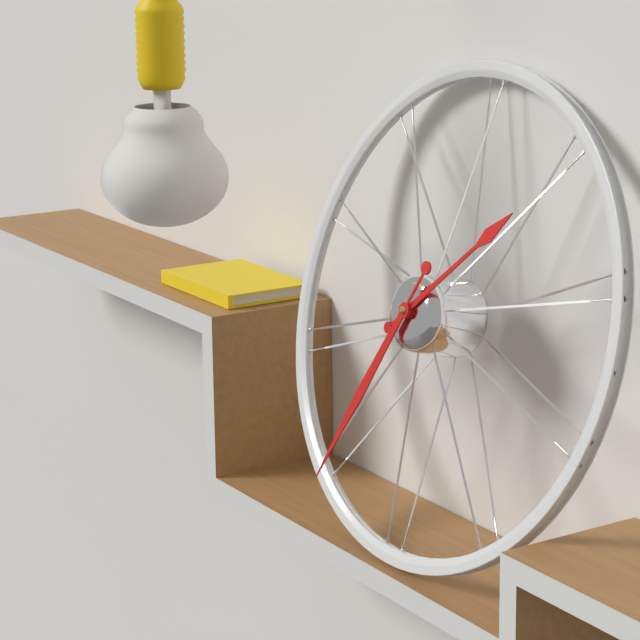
1.34
